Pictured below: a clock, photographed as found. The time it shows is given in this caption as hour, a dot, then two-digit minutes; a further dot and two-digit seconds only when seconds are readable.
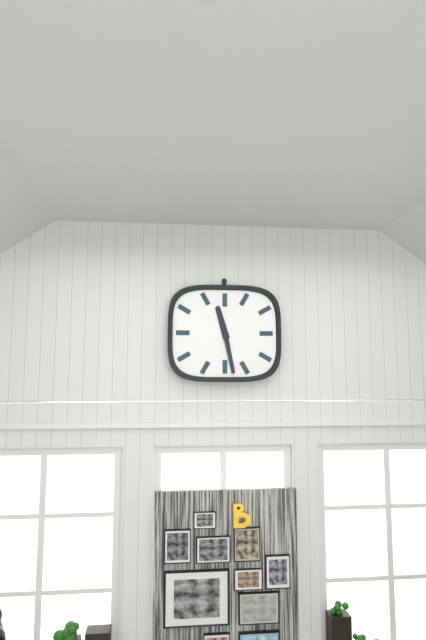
11.28
